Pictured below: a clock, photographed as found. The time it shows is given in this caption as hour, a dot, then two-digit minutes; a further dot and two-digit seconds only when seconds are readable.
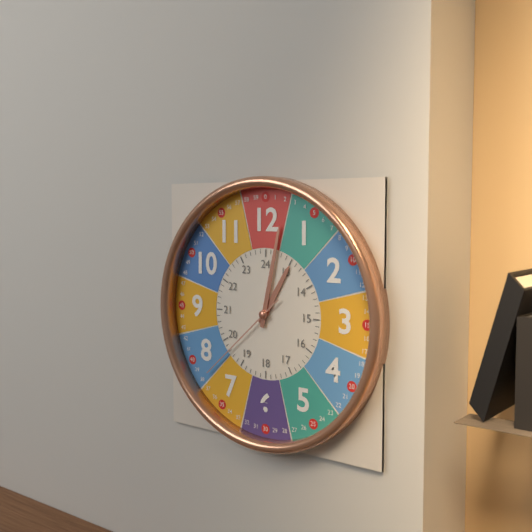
1.02.38
